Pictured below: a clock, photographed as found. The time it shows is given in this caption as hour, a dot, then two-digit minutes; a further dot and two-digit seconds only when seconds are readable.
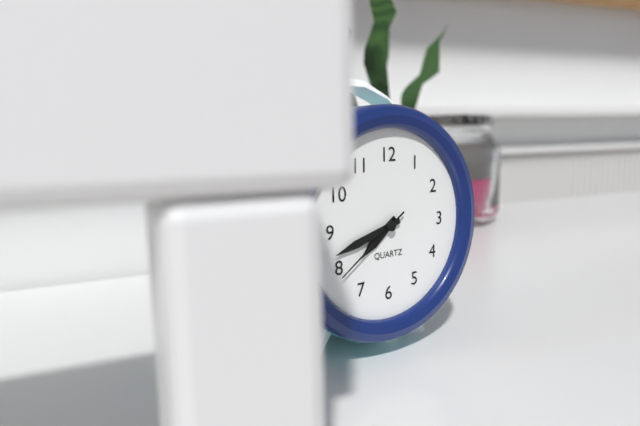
7.42.39
